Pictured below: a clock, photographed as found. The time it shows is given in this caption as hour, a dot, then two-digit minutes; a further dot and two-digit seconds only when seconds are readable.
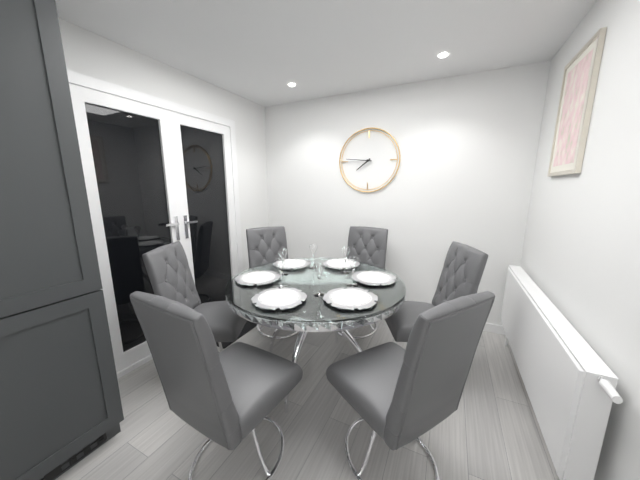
7.46
